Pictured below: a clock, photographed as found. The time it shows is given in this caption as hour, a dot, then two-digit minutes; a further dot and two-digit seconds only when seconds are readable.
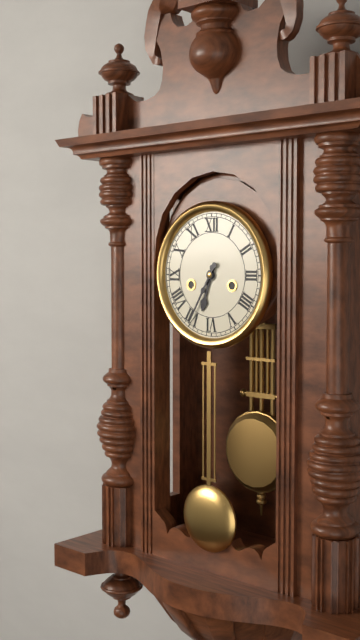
6.35
